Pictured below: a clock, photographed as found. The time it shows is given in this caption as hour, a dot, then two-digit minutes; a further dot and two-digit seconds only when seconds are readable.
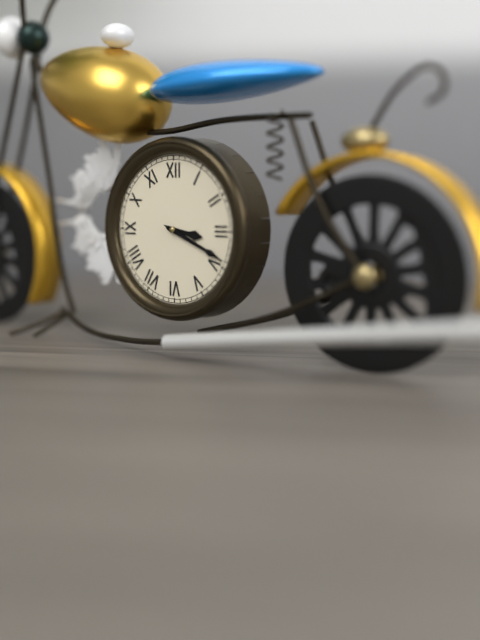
3.19
